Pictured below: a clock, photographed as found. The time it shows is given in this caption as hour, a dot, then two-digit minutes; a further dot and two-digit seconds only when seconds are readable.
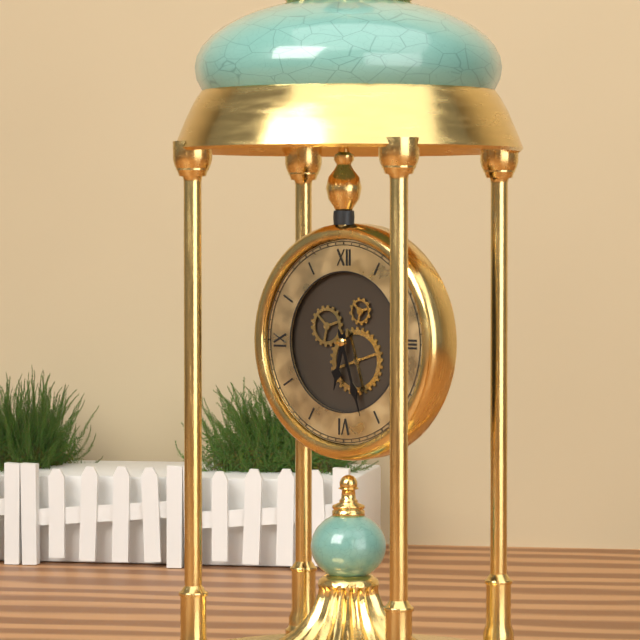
6.27
